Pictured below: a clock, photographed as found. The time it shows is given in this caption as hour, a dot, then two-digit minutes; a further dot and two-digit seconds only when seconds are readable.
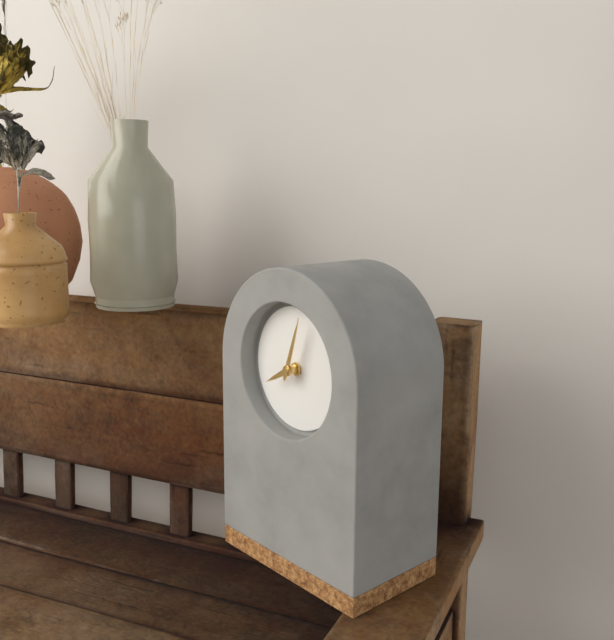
8.03
